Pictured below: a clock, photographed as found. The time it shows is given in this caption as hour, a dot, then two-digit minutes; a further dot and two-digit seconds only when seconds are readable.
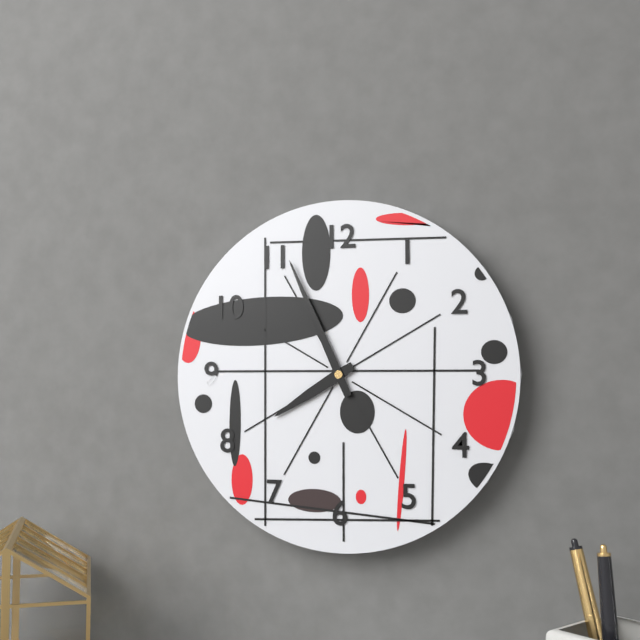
7.56
